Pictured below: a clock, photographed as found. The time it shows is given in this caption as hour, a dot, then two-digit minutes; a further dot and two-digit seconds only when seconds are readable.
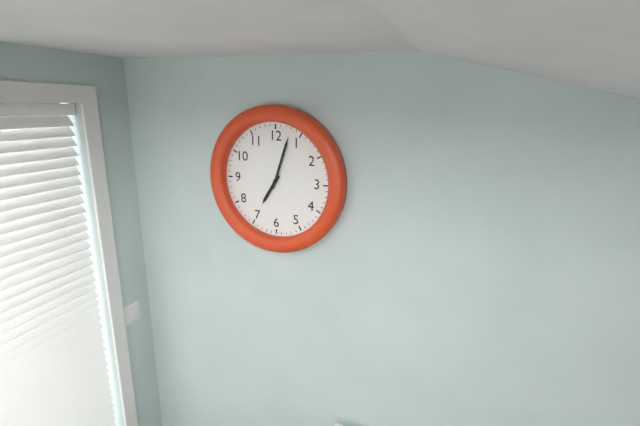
7.03
